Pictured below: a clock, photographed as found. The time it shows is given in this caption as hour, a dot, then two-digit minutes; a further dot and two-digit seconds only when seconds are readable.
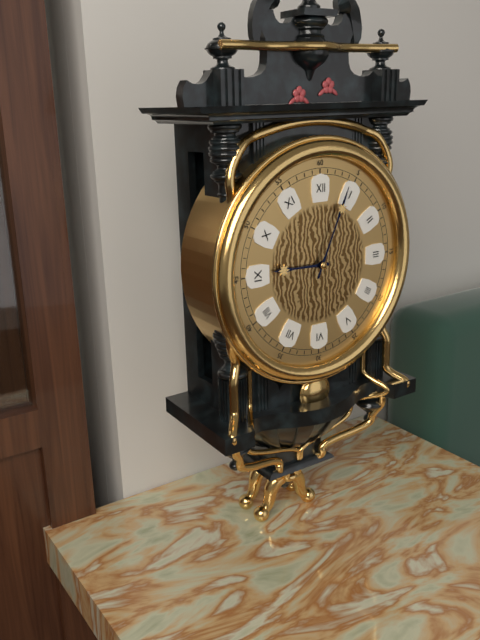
9.04
